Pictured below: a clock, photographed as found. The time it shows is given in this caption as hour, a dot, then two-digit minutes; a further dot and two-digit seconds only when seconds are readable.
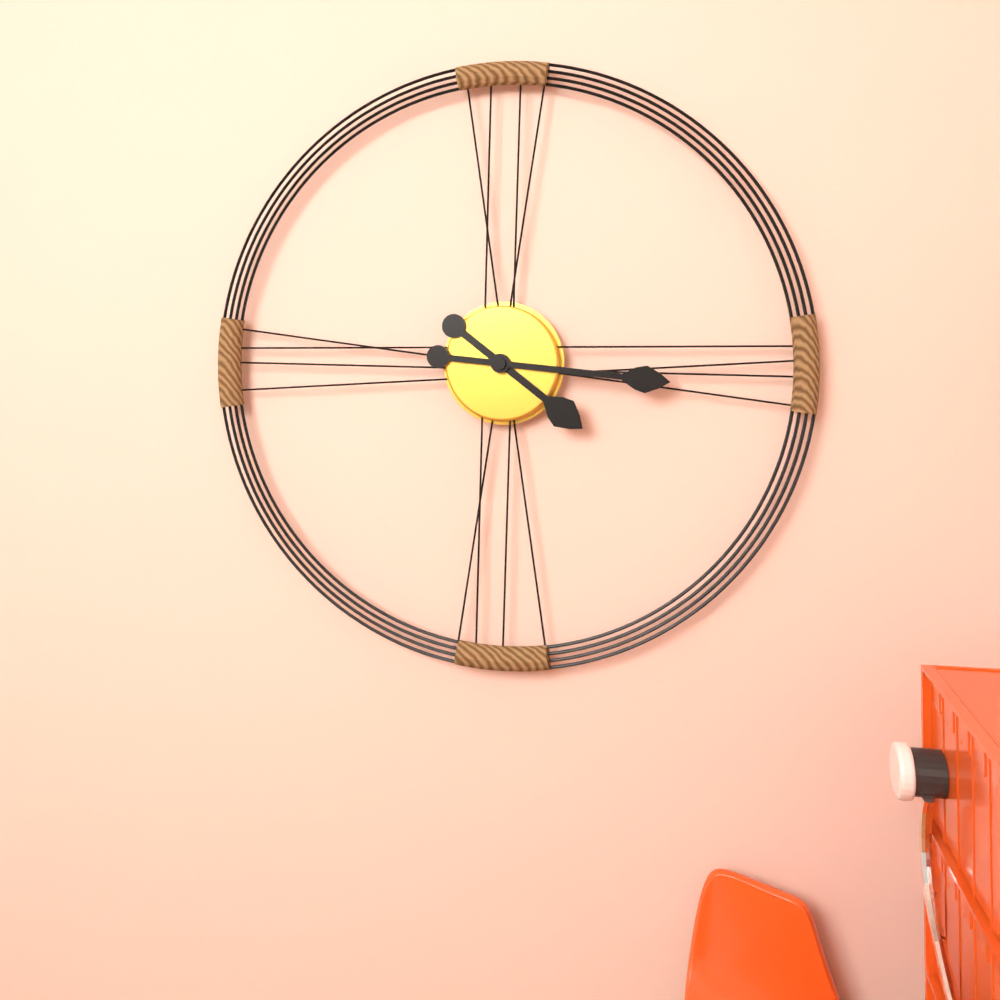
4.16
